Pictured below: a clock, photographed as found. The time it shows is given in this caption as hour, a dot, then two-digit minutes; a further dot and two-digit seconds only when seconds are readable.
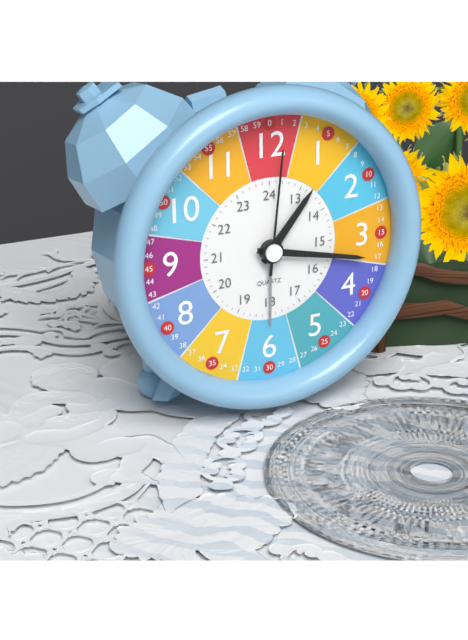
1.17.01
